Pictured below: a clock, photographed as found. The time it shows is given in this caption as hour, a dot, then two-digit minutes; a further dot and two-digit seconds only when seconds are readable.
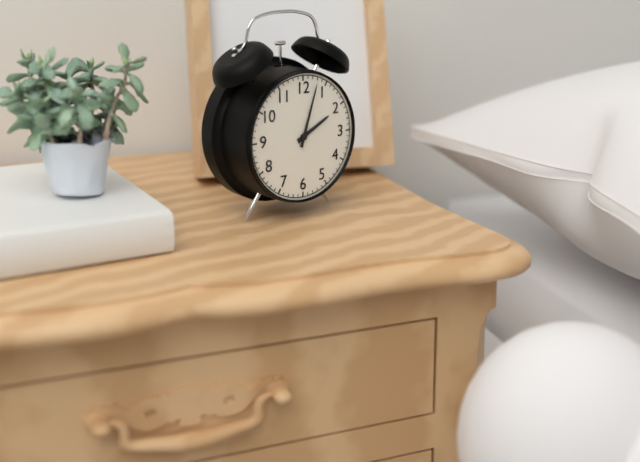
2.03
